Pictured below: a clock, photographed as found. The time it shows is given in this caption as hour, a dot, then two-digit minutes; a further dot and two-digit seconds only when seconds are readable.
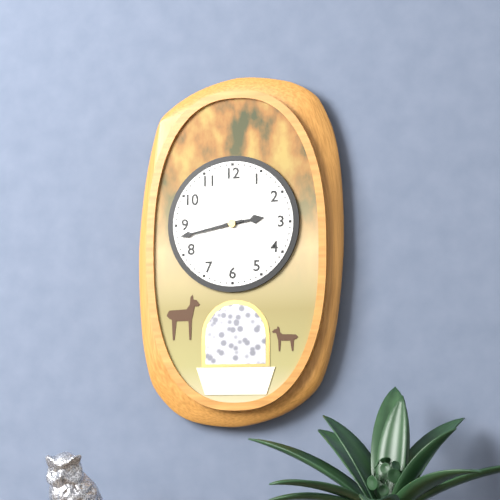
2.43
